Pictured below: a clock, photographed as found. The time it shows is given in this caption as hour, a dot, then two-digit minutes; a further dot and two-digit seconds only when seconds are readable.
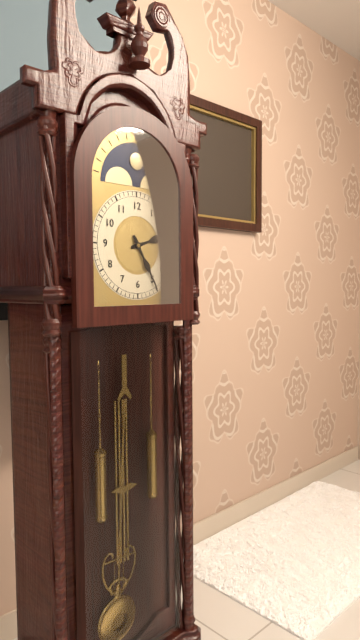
2.25
